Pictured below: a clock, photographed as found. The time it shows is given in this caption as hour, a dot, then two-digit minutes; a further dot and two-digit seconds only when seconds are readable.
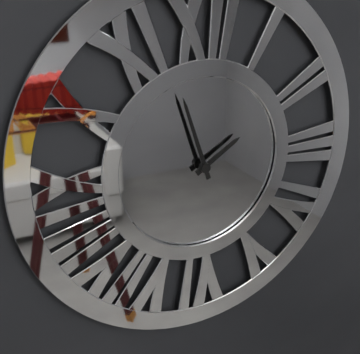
1.57
